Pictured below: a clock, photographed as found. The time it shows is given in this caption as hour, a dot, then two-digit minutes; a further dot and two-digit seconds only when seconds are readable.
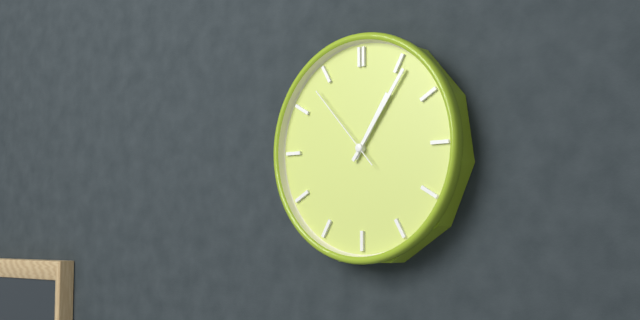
1.06.53
